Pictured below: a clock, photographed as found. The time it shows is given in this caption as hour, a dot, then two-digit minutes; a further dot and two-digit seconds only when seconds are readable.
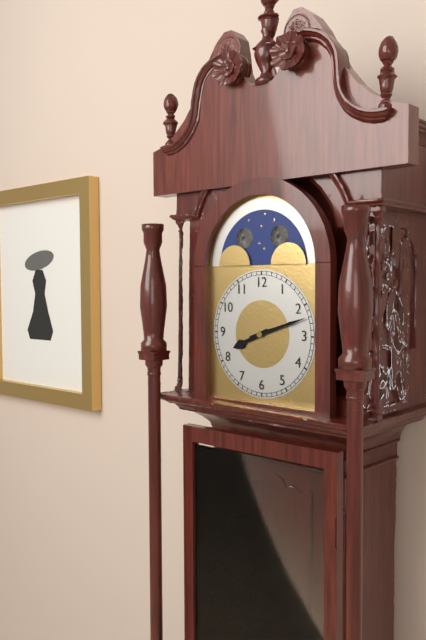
8.12
